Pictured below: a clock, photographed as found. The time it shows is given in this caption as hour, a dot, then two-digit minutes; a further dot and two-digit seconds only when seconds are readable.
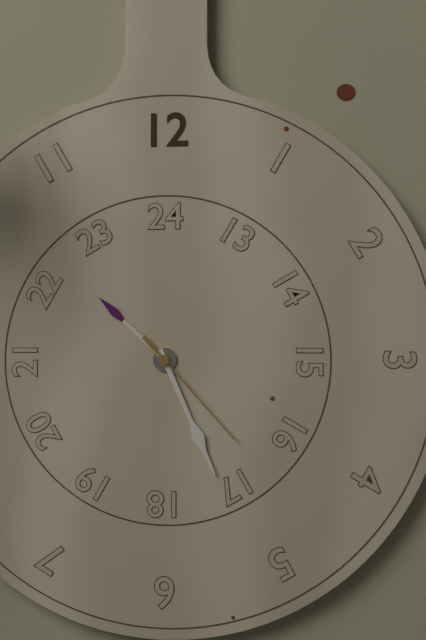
10.26.23
